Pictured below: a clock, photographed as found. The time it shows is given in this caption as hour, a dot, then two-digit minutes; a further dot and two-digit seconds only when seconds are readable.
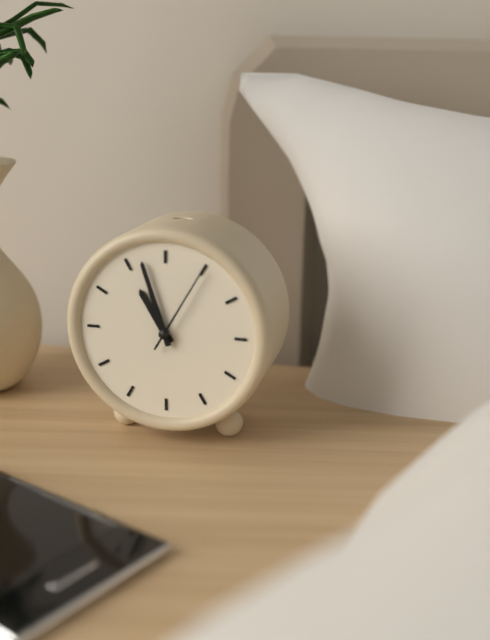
10.57.05
